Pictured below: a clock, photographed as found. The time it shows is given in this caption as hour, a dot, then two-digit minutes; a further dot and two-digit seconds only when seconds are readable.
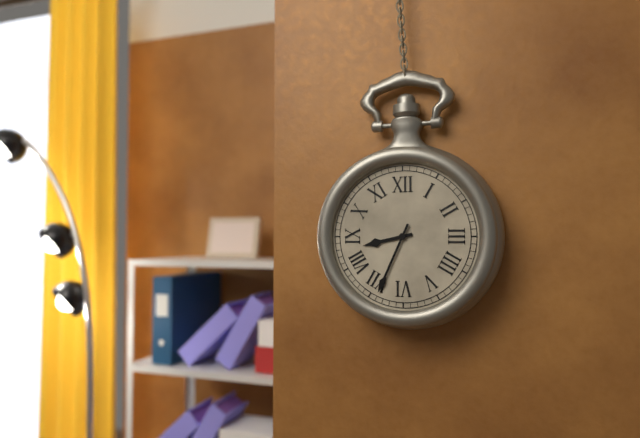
8.34
